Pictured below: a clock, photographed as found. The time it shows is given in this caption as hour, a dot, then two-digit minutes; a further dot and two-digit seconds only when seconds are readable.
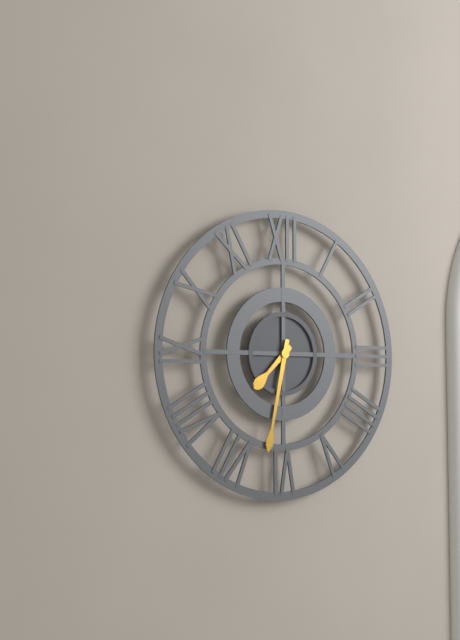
7.32
